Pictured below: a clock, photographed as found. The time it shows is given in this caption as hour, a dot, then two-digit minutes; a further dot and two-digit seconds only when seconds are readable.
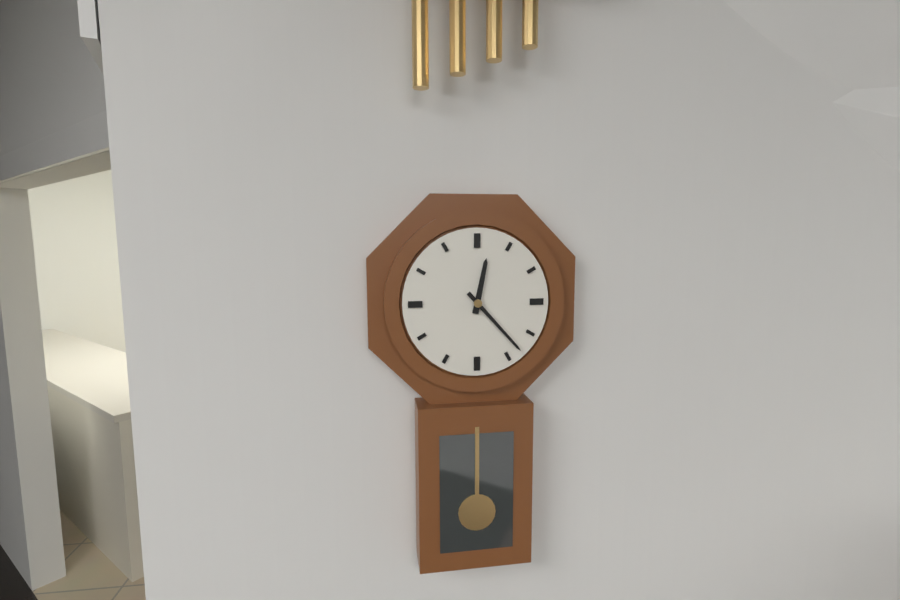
12.23
